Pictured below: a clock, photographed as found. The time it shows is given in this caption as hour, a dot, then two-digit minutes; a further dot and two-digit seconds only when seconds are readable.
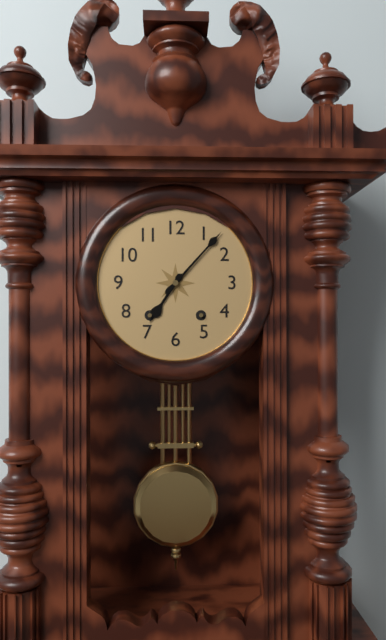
7.07
